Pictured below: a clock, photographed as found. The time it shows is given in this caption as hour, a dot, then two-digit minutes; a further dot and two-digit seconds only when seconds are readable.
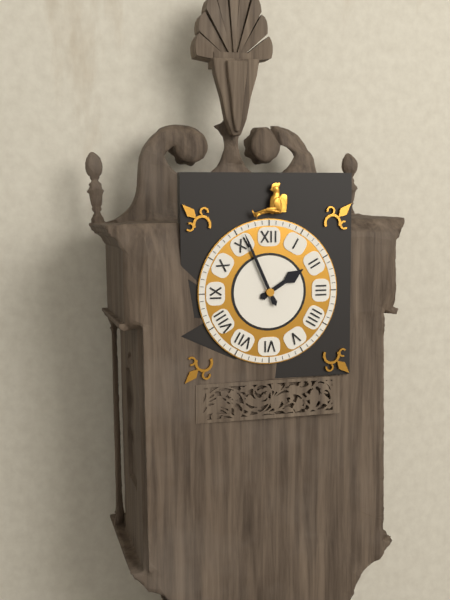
1.56
